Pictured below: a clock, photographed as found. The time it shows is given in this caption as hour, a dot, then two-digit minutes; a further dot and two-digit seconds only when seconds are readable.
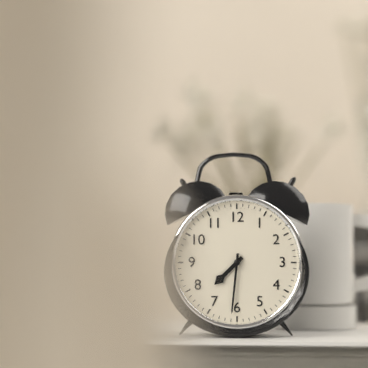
7.31
